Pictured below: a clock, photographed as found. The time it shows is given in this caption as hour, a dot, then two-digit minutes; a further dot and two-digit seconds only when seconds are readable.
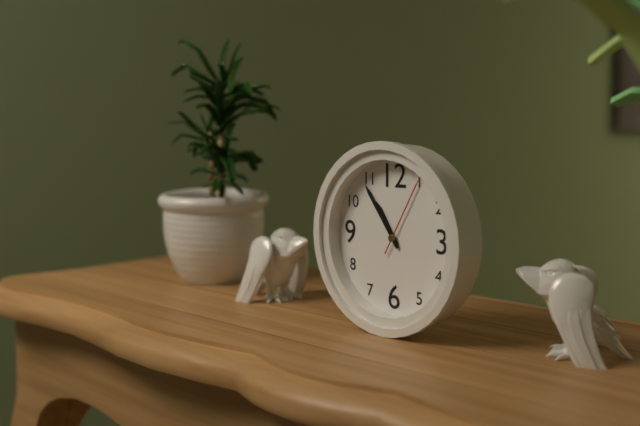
10.54.05
